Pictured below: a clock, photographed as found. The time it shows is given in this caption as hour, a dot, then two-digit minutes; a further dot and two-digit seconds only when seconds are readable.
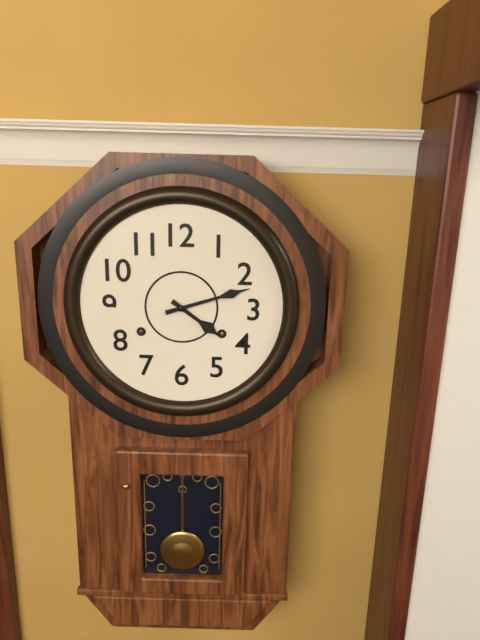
4.12
